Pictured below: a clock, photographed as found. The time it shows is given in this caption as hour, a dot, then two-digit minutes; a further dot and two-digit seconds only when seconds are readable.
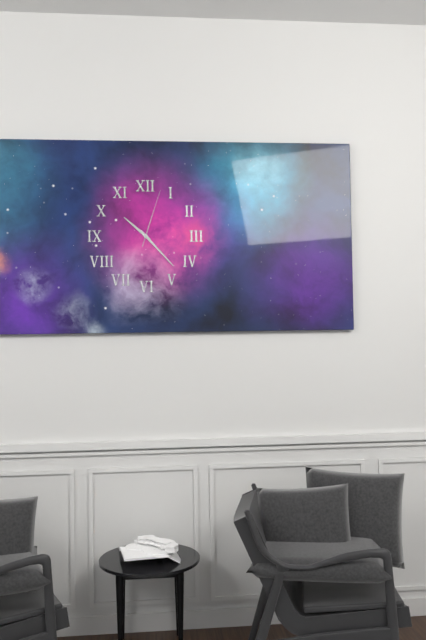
10.23.03
